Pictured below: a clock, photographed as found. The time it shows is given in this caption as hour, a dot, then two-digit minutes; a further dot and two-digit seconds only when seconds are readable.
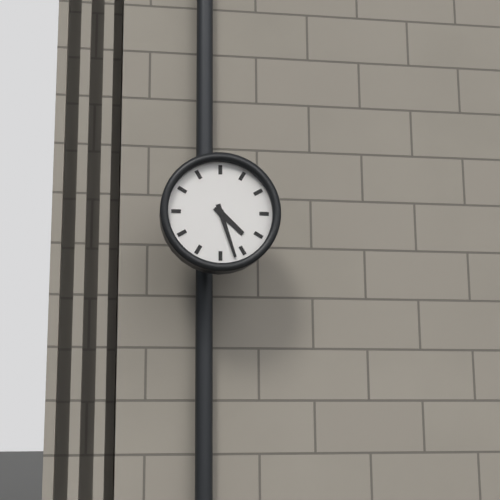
4.27
